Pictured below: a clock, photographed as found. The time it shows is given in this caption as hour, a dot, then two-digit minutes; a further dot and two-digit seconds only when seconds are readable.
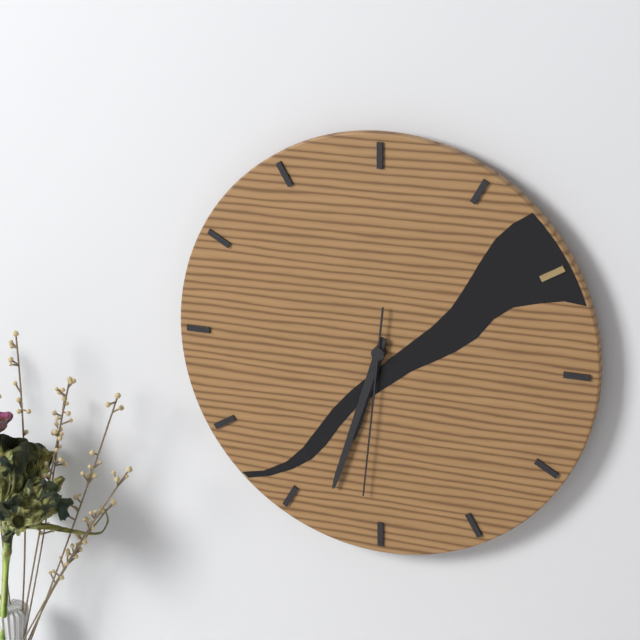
6.33.31
